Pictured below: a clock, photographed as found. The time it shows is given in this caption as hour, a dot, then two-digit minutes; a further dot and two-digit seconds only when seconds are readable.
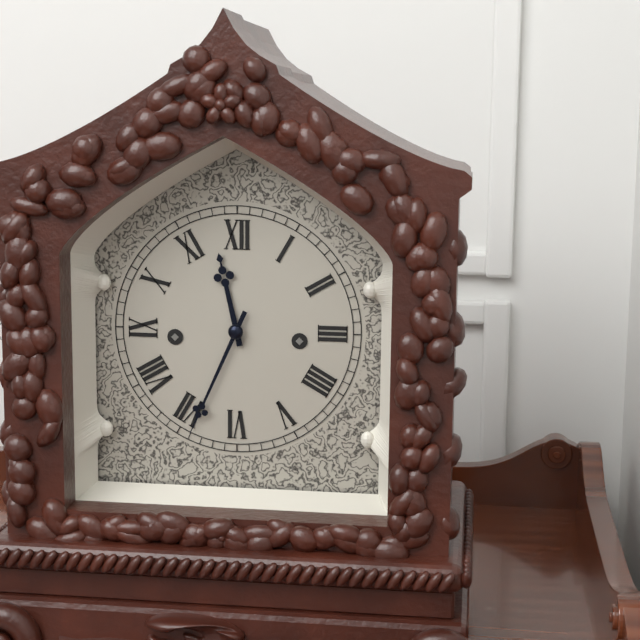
11.34
